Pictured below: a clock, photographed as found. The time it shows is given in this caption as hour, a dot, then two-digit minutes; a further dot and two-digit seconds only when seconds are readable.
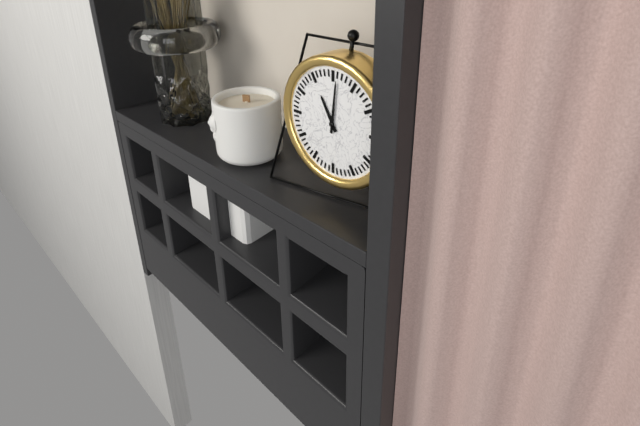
11.01
